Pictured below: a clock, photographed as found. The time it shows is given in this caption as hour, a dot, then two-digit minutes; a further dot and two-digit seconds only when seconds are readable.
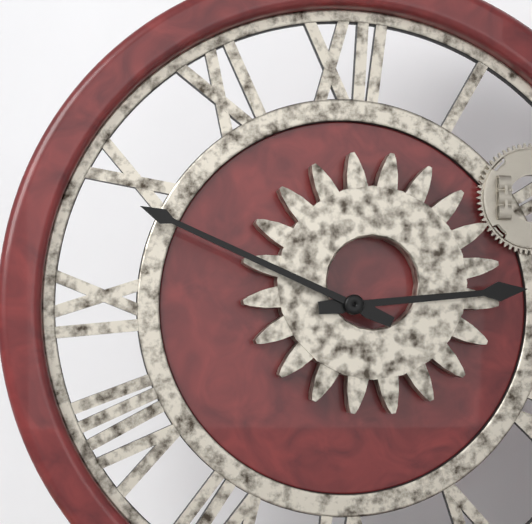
2.49
